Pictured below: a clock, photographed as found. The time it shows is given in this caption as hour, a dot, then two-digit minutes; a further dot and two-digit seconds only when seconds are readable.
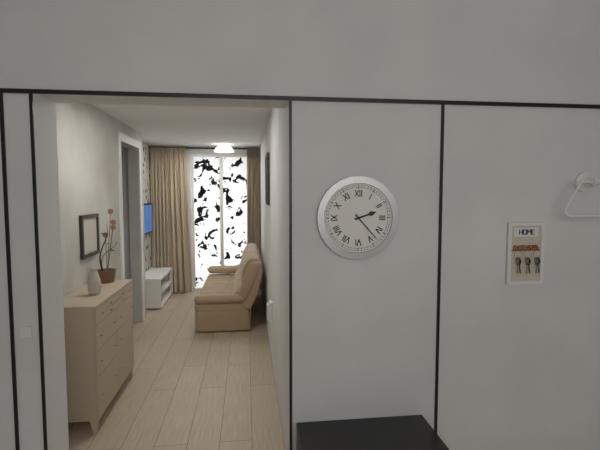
2.23
